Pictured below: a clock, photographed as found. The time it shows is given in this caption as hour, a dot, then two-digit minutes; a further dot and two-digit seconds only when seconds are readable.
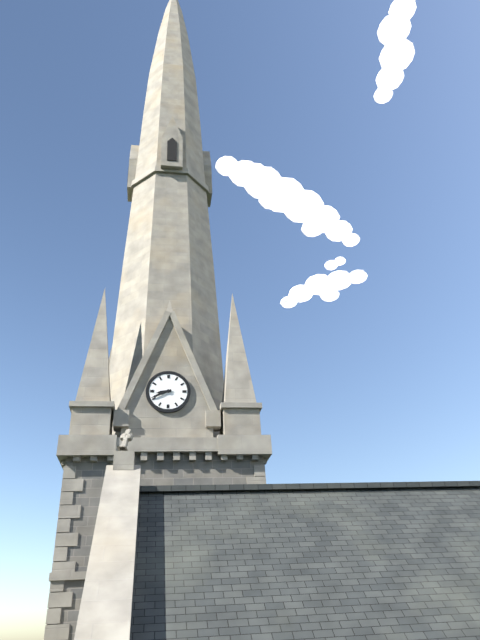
8.41
